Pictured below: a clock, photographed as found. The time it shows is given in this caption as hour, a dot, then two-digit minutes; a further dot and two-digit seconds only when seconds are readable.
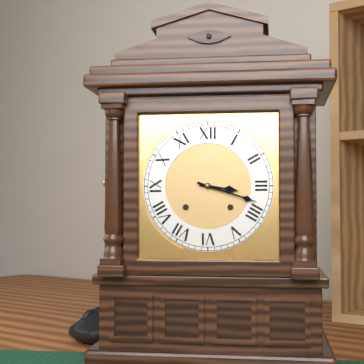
3.18
